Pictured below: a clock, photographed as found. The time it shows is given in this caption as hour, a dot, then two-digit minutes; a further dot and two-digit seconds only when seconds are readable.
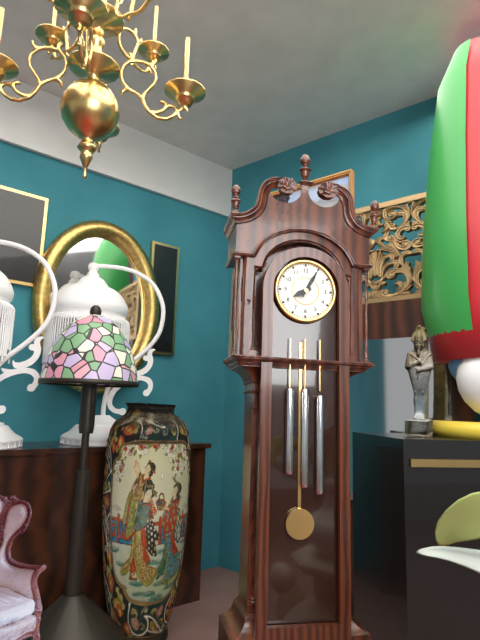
8.05
